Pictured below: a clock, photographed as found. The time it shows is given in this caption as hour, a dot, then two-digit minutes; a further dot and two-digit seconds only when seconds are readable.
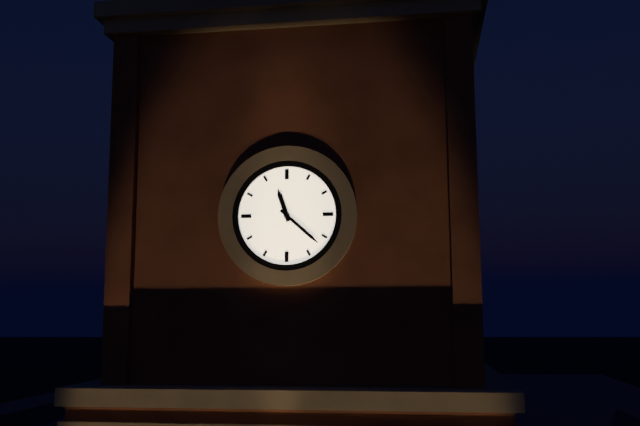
11.22
